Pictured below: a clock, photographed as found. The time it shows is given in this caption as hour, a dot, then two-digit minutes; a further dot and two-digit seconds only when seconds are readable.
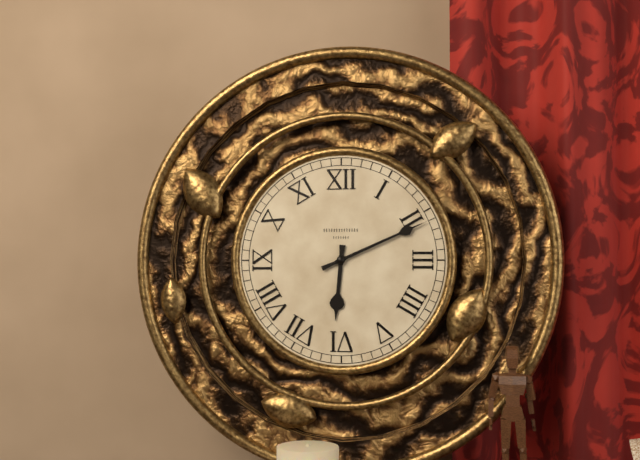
6.11
